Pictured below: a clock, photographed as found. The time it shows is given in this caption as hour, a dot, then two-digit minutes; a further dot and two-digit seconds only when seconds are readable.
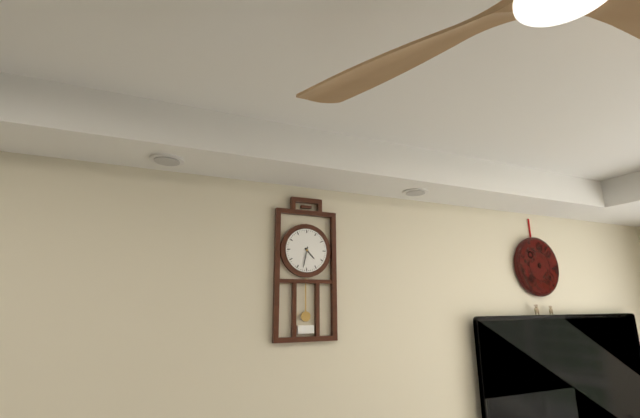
4.32
